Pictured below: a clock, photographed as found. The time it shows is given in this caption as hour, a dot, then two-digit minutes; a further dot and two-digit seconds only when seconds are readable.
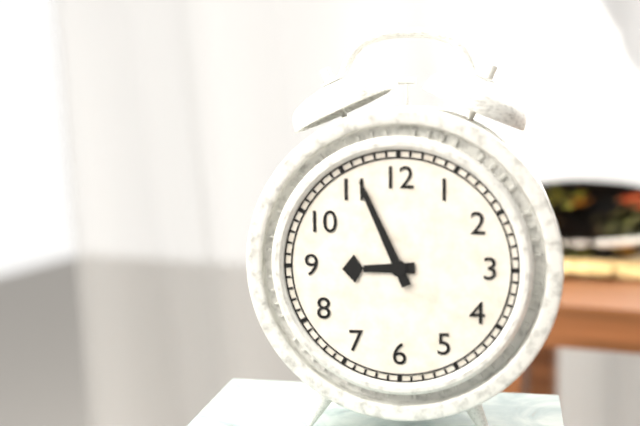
8.56
